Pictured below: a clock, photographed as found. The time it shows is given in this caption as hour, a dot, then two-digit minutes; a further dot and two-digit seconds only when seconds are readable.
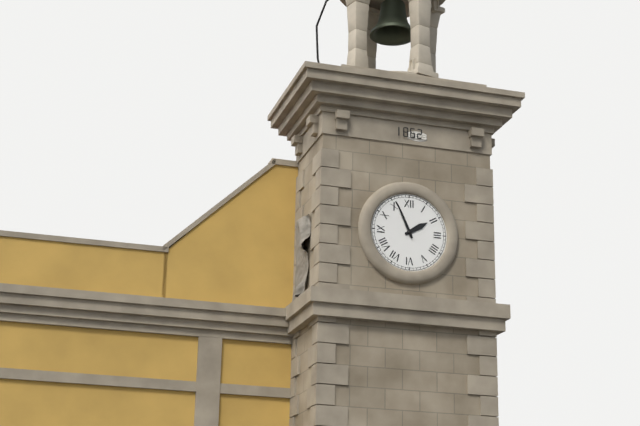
1.56
